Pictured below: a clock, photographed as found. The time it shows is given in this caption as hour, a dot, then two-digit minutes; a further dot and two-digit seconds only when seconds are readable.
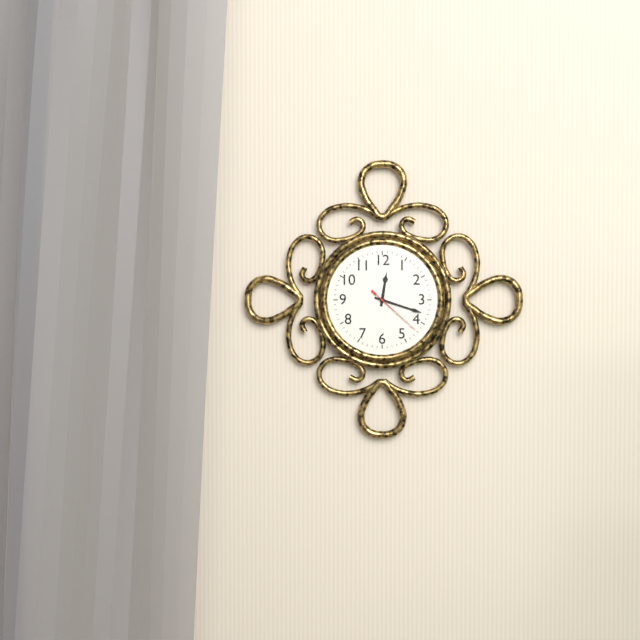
12.18.22
